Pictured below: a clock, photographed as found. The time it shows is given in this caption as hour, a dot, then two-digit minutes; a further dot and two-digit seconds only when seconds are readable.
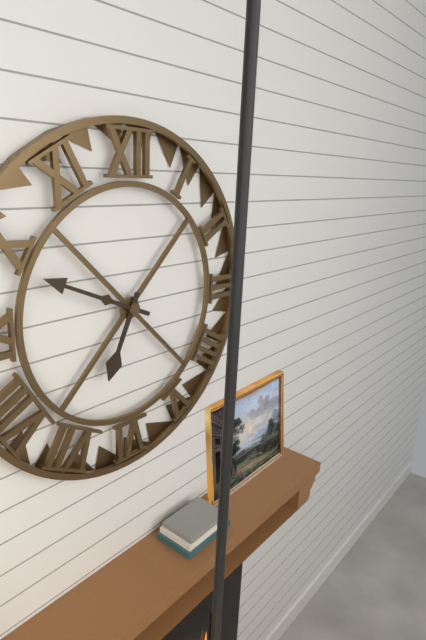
6.49
